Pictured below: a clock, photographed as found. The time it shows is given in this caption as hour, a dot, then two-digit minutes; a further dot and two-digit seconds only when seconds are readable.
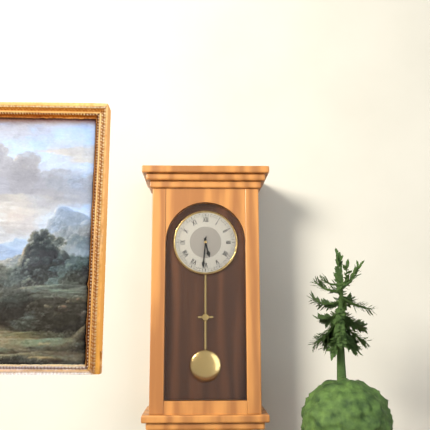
5.31
